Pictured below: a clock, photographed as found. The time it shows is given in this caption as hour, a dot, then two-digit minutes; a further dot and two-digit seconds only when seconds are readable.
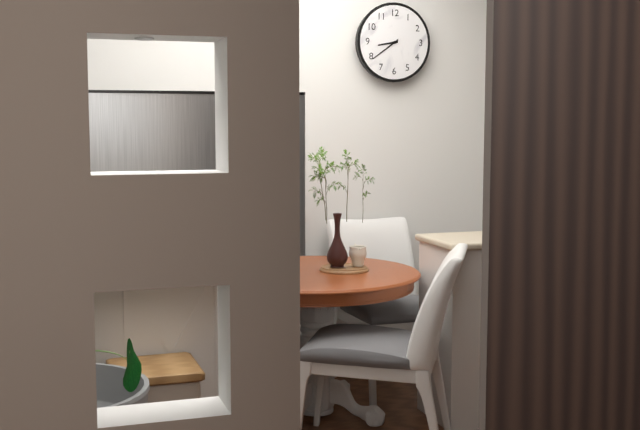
8.39
